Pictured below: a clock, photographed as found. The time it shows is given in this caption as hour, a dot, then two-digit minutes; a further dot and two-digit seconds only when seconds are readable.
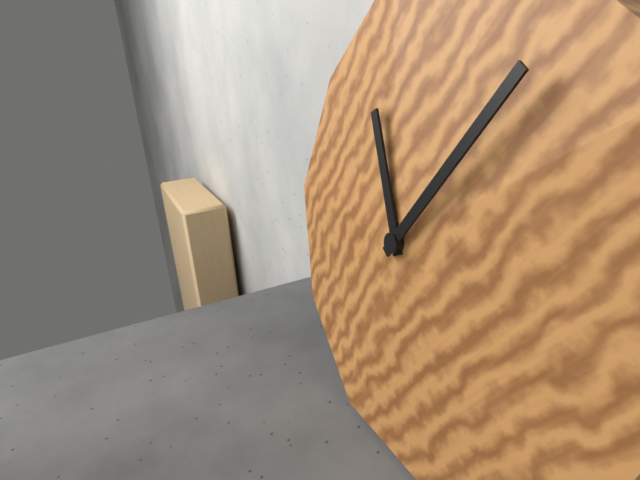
11.06
